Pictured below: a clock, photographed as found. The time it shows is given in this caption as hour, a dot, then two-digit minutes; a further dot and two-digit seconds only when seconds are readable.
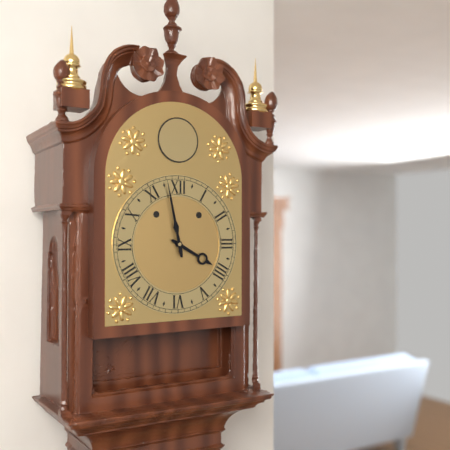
3.58
